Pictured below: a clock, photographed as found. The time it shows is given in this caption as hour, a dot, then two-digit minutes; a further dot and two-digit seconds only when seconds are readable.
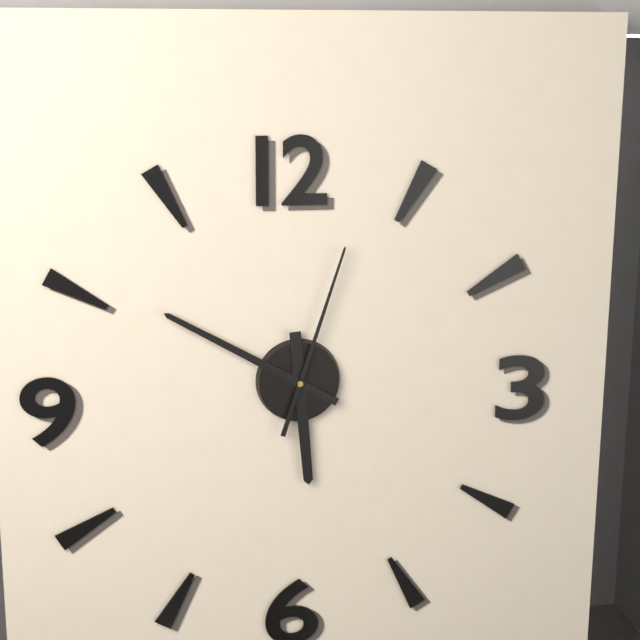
5.50.03
